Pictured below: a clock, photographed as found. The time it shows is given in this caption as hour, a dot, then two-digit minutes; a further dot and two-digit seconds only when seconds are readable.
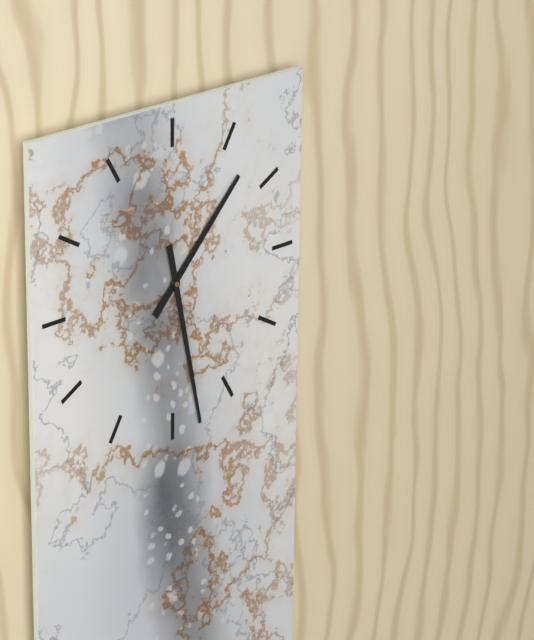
1.28
